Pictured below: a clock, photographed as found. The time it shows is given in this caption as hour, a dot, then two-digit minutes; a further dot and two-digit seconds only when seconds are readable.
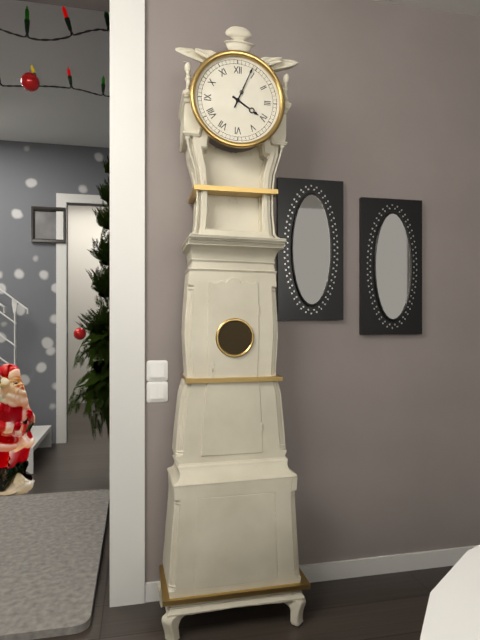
4.04
